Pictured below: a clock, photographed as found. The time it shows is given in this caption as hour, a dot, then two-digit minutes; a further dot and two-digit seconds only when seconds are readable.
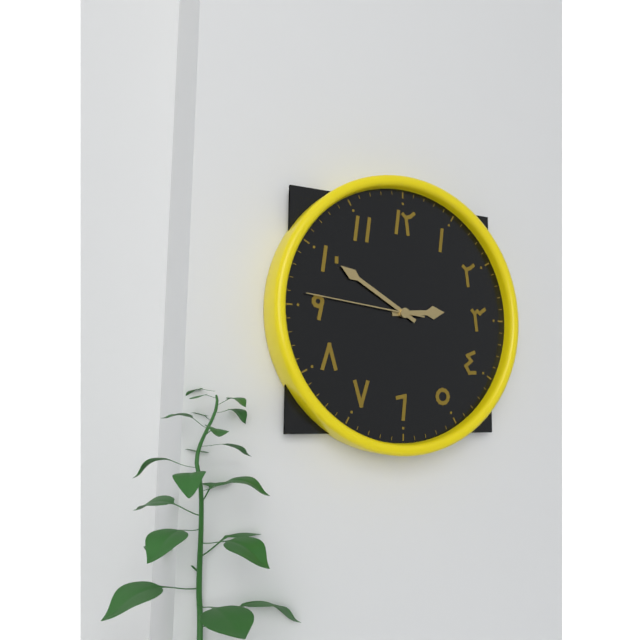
2.50.46
